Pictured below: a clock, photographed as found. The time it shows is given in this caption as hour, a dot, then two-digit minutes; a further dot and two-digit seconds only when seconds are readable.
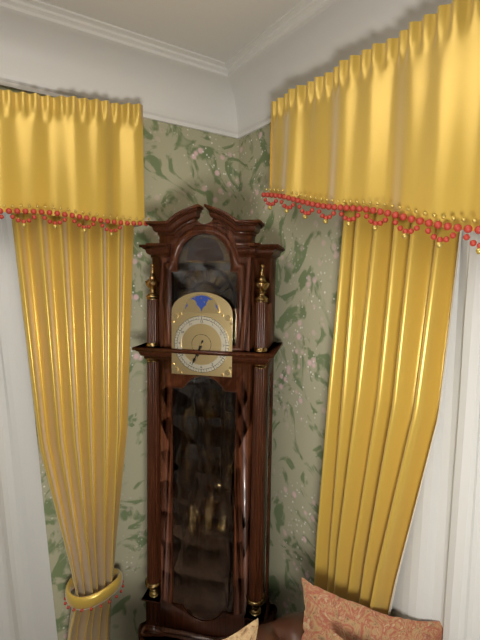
6.34
